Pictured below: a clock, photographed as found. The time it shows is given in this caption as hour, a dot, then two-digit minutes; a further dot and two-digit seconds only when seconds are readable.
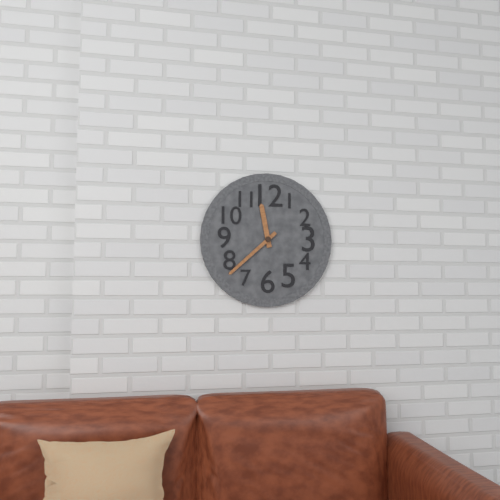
11.38
